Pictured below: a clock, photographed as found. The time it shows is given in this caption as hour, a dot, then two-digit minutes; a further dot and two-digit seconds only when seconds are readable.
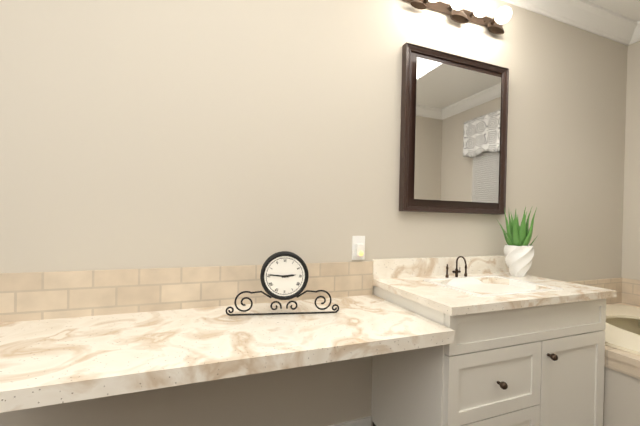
2.46
